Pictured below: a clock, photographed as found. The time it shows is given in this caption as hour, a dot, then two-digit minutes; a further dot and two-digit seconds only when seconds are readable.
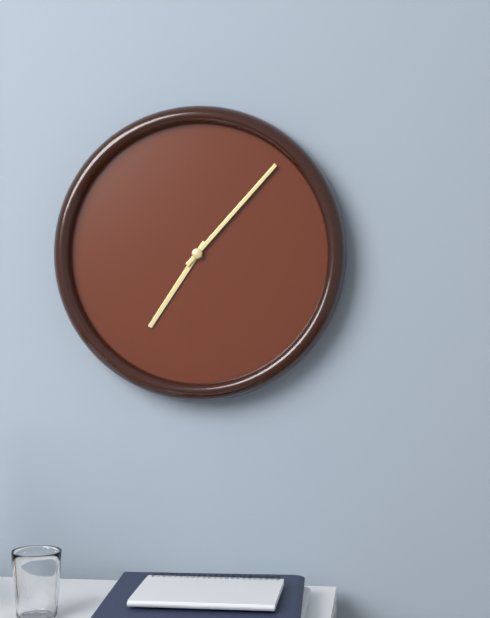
7.07
